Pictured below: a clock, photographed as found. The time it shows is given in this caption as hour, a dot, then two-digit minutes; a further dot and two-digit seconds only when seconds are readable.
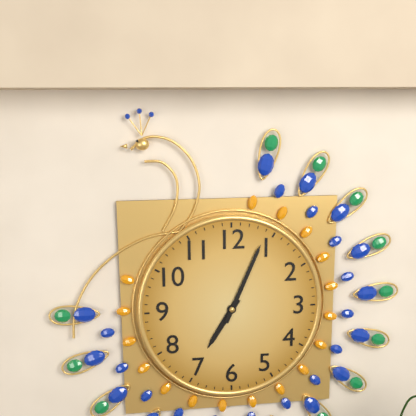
7.04
